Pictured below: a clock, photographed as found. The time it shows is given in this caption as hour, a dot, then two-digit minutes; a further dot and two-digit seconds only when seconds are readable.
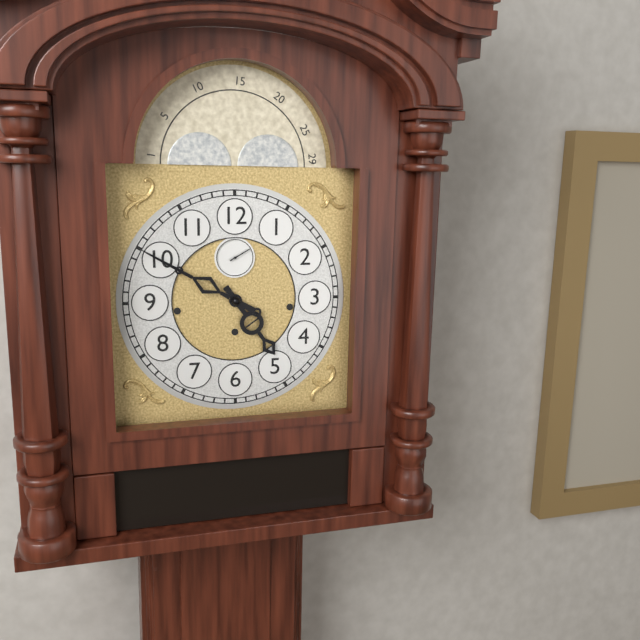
4.50
